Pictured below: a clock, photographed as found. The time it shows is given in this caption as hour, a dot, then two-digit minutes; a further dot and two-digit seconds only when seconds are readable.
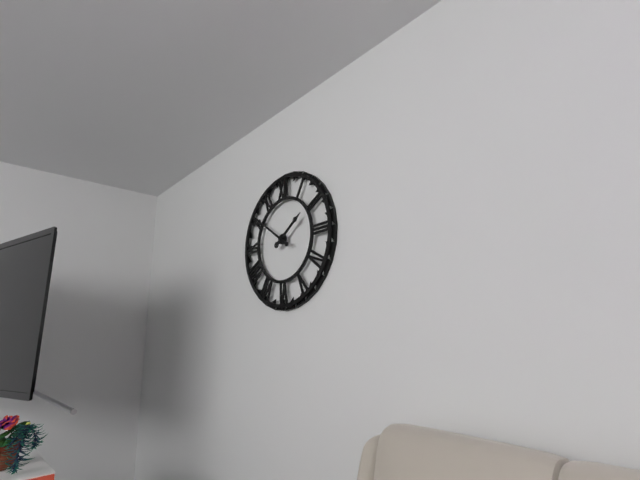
1.51
